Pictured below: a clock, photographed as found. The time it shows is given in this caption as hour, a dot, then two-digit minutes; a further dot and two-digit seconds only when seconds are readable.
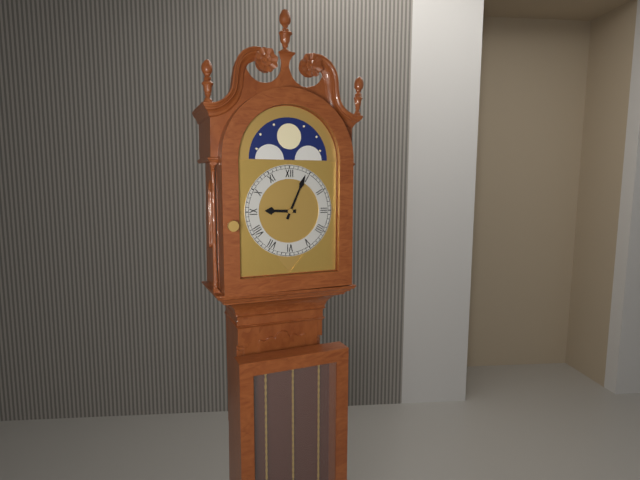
9.04
